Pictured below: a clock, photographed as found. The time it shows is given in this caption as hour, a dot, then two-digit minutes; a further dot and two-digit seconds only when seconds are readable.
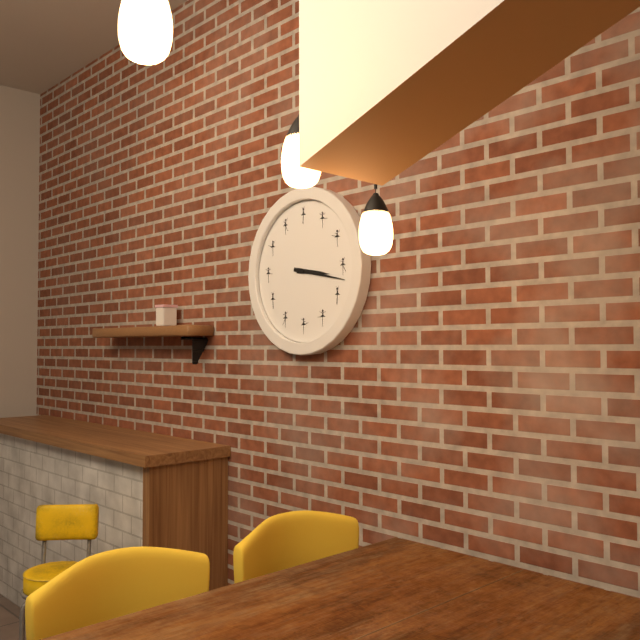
3.17
